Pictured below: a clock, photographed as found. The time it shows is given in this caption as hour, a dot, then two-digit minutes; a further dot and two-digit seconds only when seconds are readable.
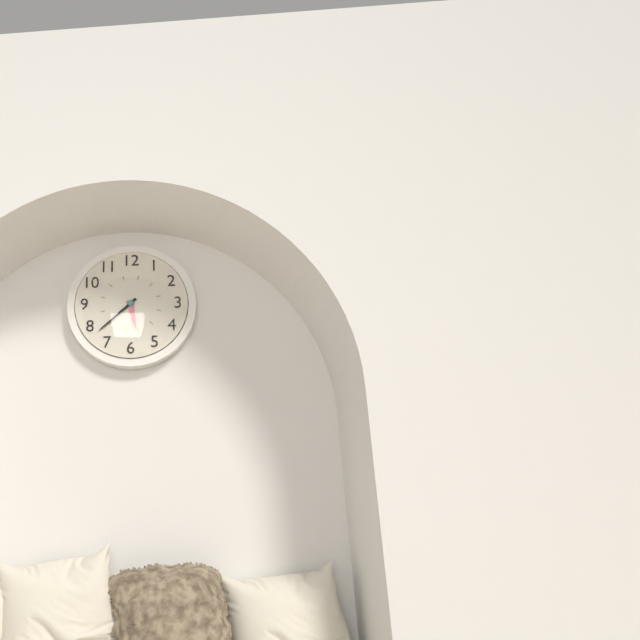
5.38
